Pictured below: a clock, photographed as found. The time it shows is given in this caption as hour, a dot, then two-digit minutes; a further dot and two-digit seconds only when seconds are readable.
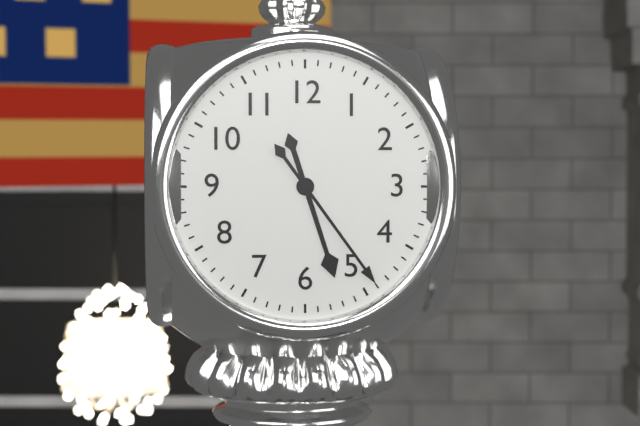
5.24
